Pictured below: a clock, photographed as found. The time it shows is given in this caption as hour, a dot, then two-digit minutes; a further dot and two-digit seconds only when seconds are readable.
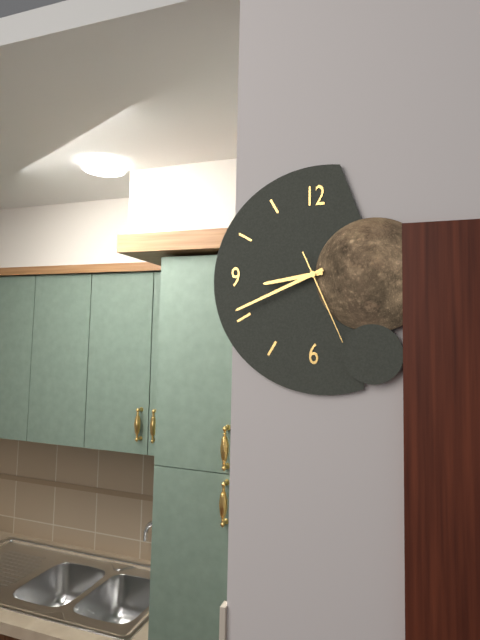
8.41.26
